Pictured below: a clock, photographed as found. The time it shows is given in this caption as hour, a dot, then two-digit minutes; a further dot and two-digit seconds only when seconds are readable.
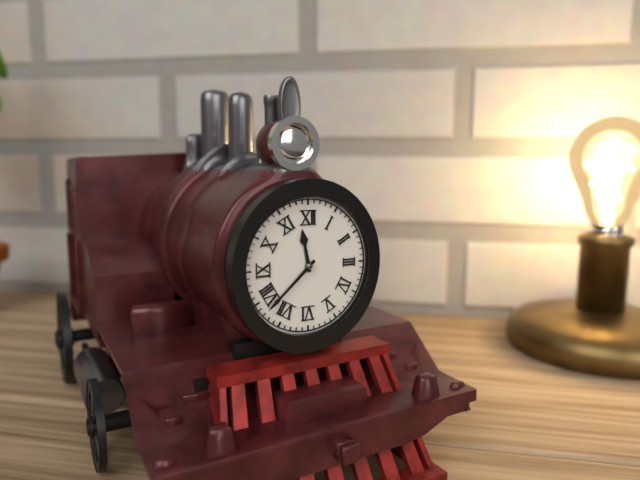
11.38
